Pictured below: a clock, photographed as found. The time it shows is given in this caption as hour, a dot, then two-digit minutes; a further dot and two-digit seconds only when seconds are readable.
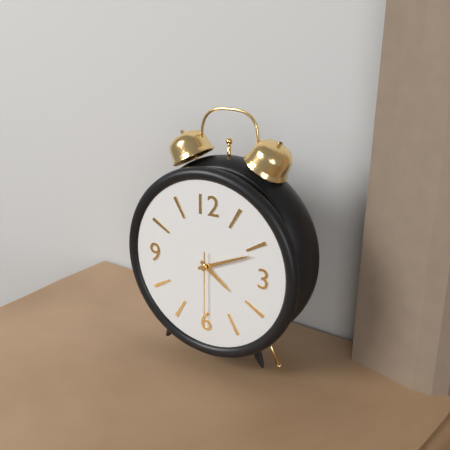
4.11.30
